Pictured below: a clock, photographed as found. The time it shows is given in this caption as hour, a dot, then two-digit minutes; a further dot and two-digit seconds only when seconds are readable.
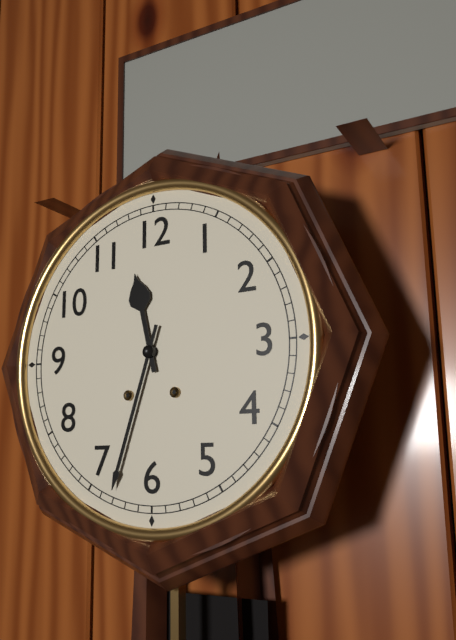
11.33
